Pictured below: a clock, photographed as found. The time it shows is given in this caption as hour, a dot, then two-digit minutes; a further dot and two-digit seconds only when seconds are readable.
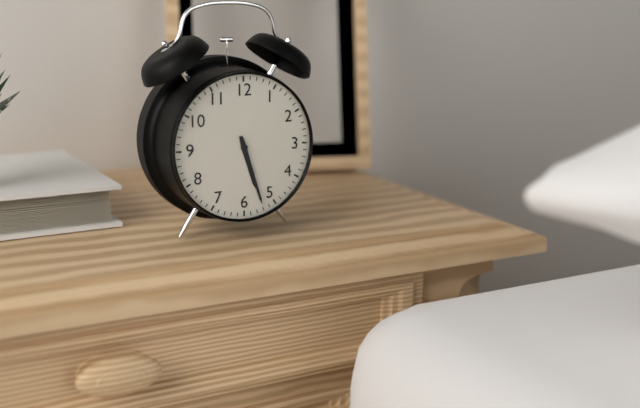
5.27
